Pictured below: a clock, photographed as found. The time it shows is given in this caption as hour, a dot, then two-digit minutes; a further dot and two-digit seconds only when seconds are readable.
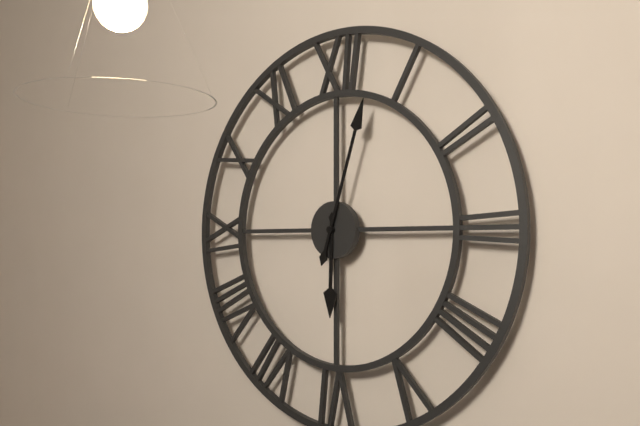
6.03
